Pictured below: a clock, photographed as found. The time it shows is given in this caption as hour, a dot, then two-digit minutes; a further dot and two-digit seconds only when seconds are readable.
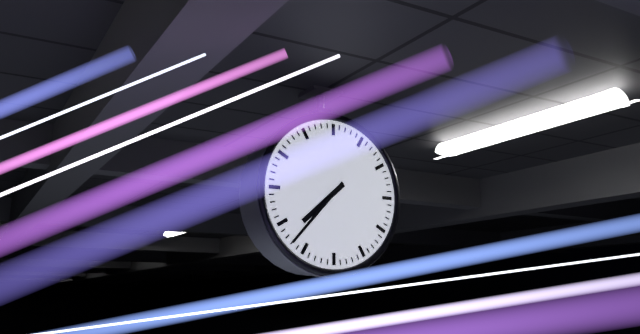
7.37
